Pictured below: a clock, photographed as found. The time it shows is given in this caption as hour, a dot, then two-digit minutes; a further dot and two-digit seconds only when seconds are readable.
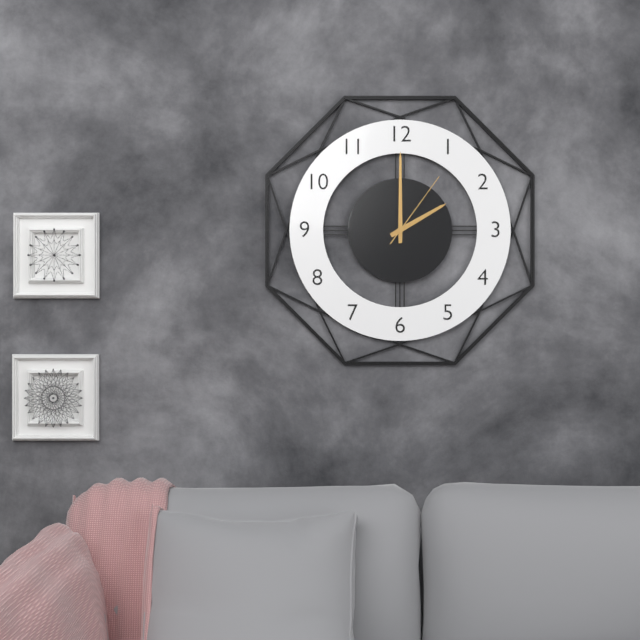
2.00.06
